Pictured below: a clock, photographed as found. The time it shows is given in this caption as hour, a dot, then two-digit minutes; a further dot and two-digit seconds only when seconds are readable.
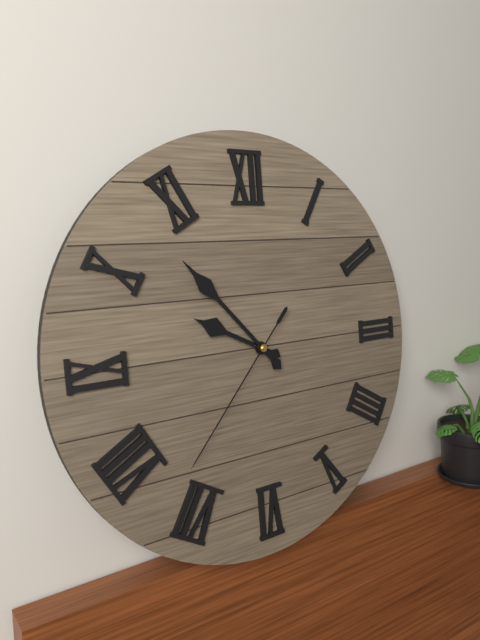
9.53.37
